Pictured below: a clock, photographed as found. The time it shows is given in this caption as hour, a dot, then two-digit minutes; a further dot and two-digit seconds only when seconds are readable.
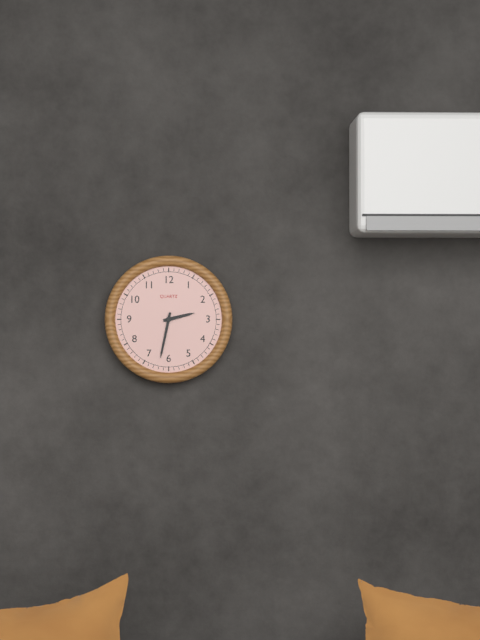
2.32
